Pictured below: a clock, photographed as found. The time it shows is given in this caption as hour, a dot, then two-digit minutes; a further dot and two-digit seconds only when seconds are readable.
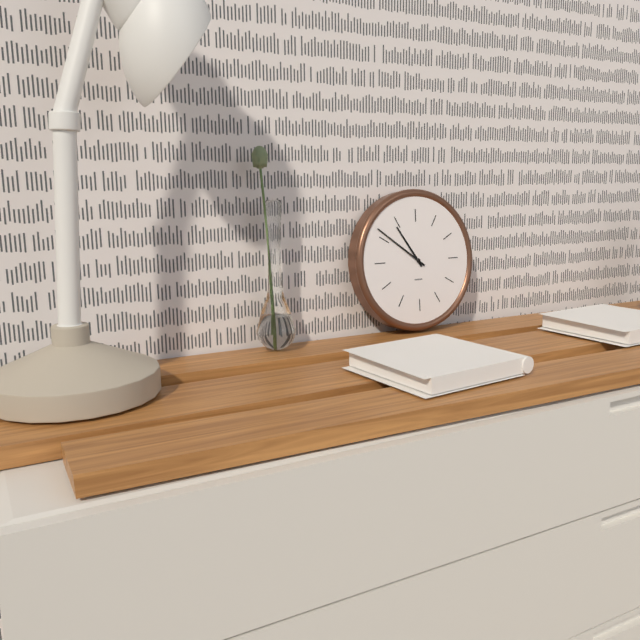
10.51
